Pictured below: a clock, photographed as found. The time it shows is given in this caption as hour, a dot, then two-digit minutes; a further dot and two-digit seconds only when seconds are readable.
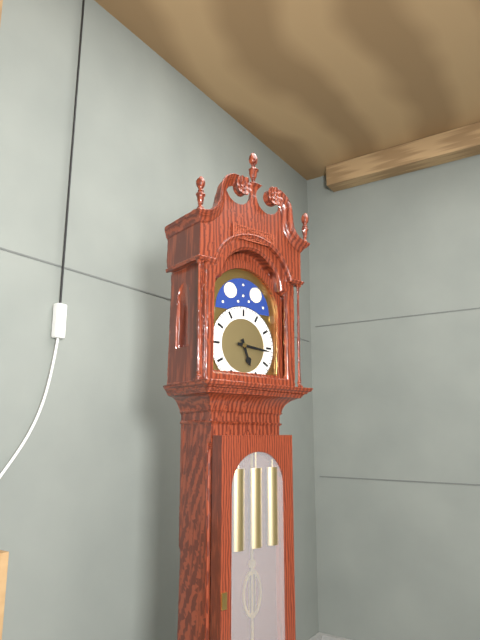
5.16
